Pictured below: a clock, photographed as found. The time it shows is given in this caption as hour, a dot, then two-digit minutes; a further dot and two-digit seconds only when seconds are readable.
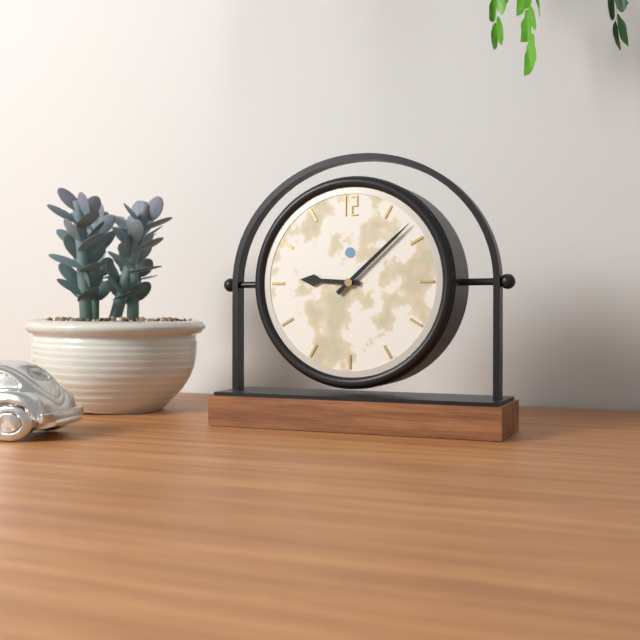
9.08
